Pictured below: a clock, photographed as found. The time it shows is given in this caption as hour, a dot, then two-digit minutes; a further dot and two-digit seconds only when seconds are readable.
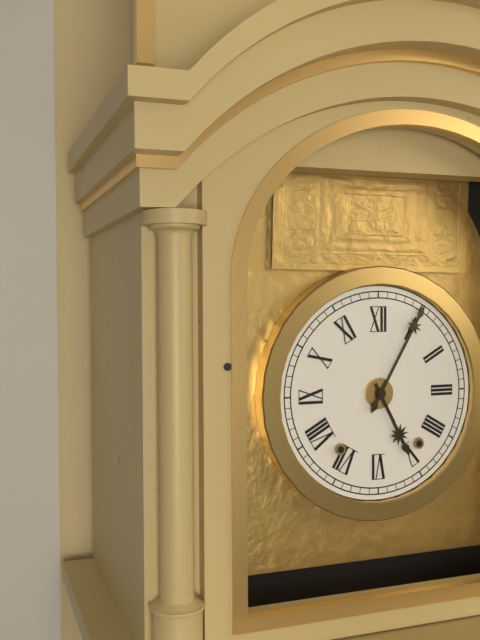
5.05
